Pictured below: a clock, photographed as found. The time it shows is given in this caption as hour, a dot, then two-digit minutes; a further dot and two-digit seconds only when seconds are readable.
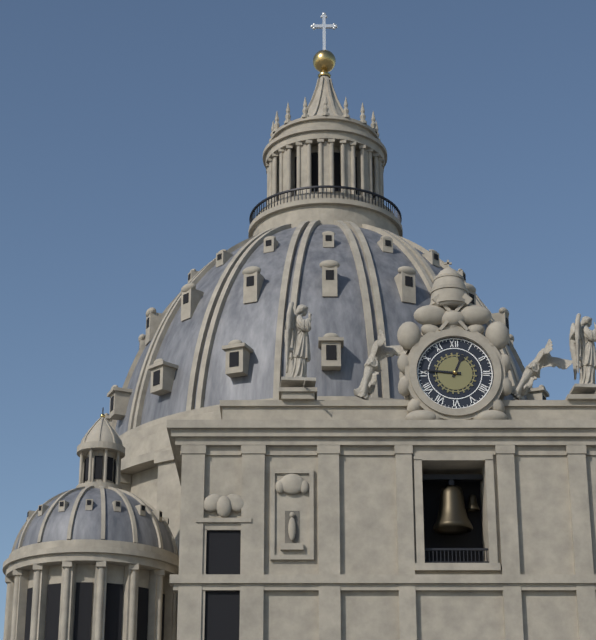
12.46
